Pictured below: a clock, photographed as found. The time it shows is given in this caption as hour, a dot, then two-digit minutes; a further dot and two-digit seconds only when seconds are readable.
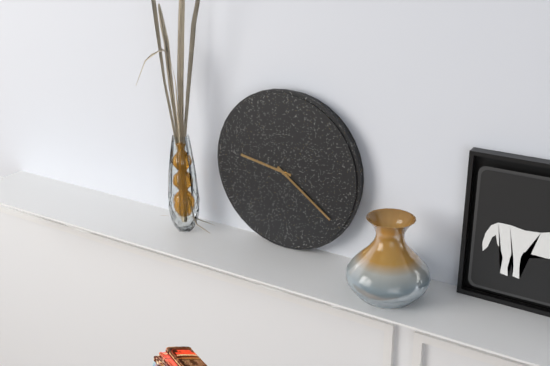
9.21
